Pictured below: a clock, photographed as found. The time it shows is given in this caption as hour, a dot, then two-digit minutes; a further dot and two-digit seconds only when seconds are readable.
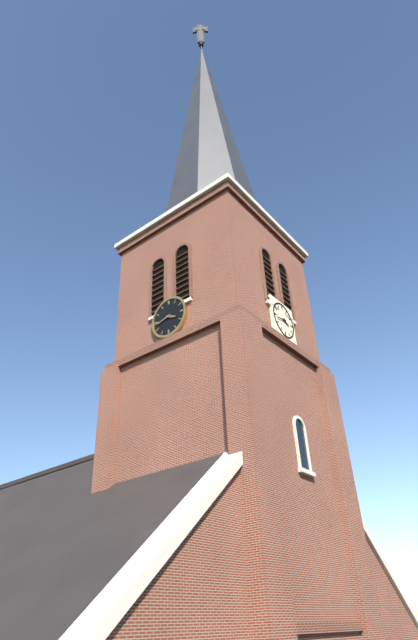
3.43
